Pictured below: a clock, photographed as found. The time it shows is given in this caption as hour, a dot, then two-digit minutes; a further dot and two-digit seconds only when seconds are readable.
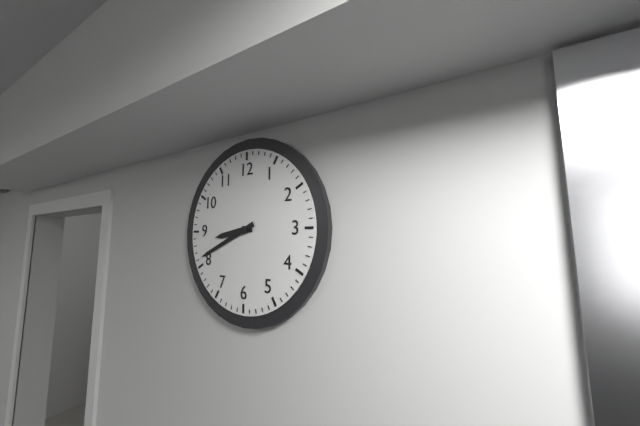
8.41
